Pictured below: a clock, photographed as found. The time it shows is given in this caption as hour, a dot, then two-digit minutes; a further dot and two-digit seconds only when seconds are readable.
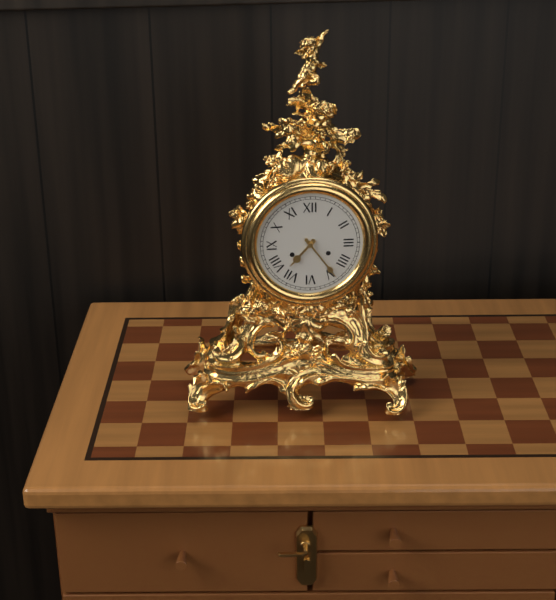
7.24
